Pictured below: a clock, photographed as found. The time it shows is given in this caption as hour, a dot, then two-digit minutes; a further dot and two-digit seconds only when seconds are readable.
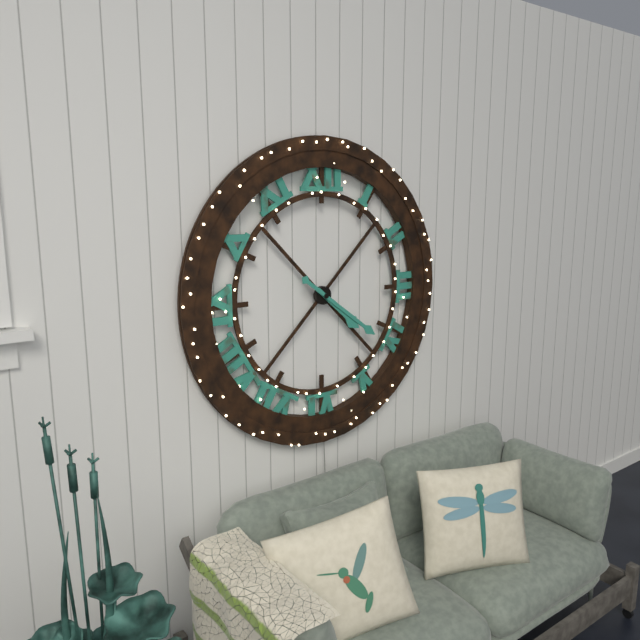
4.21
